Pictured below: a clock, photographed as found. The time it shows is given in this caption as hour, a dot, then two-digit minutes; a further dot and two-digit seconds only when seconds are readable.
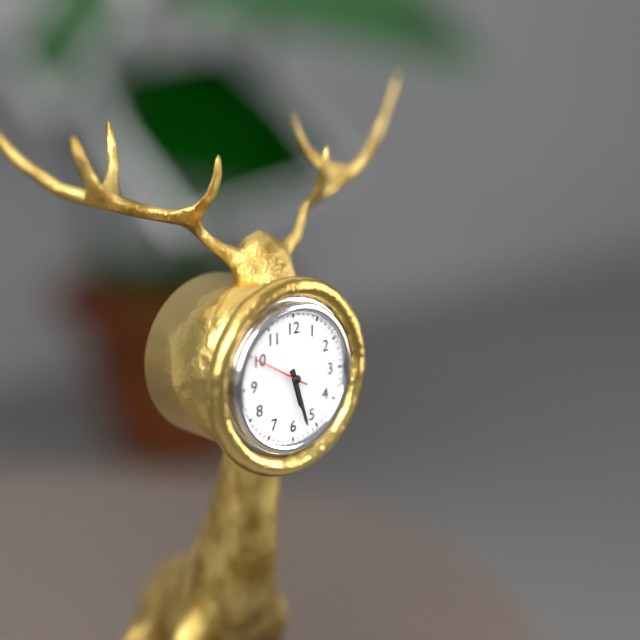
5.27.50
